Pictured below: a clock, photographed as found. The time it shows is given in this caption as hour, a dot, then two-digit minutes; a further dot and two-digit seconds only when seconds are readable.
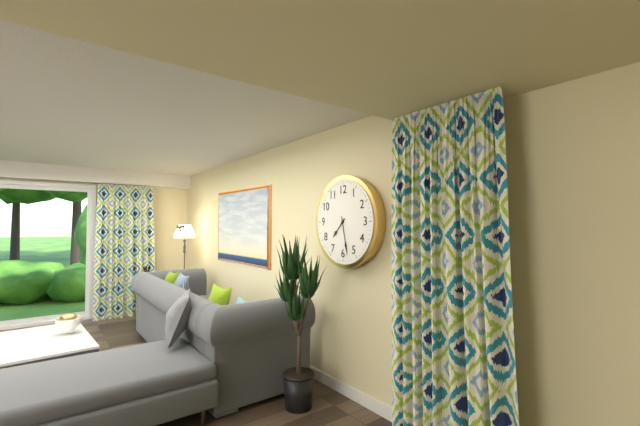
7.28
